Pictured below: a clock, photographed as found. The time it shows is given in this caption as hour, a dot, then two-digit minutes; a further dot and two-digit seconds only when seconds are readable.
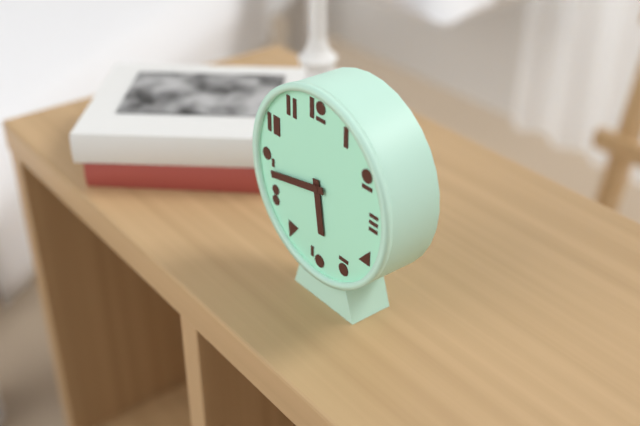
5.43
